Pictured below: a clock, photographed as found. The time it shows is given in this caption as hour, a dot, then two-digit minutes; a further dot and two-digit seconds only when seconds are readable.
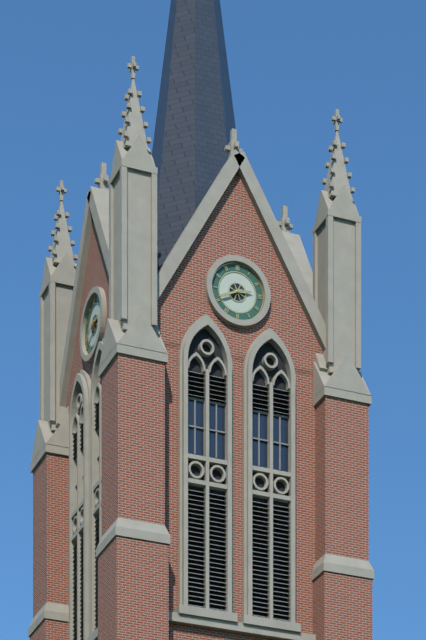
2.41
